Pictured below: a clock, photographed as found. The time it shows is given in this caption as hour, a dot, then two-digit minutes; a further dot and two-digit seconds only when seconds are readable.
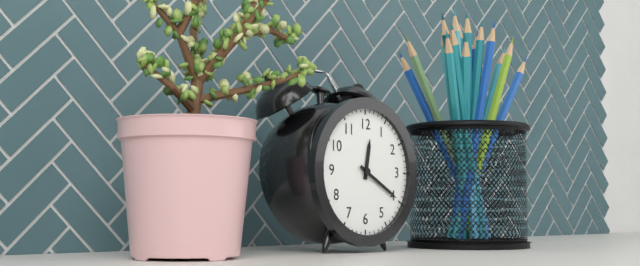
12.20
